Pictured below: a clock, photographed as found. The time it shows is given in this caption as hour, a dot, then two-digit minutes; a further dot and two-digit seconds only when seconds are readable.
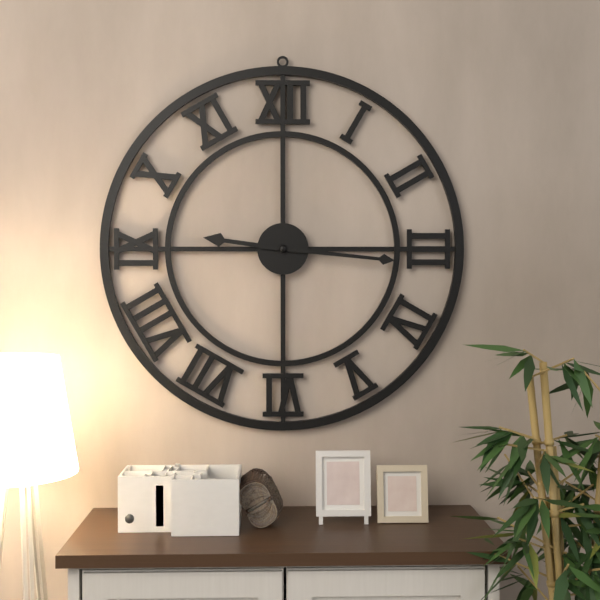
9.16
